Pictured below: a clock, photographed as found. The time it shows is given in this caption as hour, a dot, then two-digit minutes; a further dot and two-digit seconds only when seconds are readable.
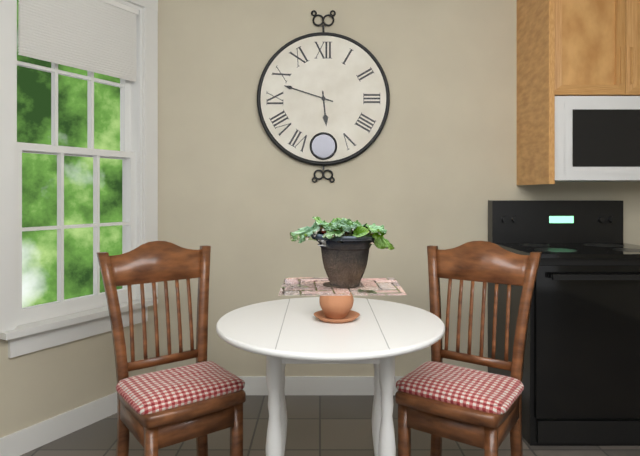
5.48
